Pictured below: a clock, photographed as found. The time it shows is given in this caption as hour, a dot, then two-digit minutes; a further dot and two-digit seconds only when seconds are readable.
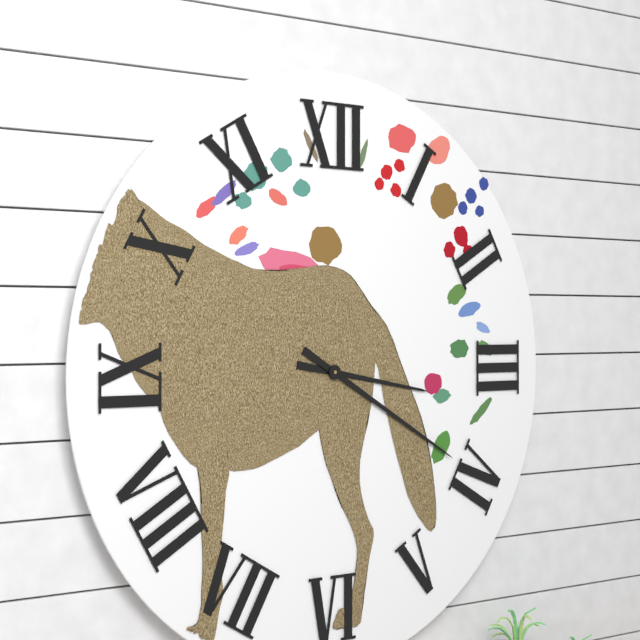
3.20
